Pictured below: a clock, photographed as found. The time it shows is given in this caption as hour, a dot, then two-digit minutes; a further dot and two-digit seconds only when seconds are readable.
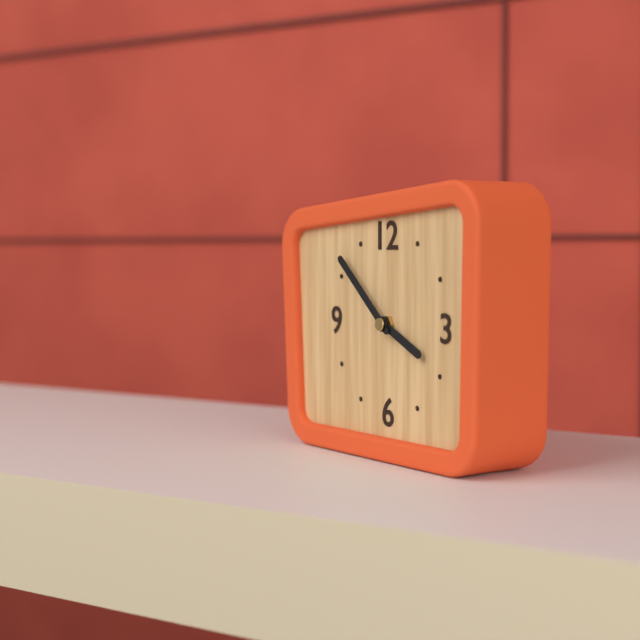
3.52
